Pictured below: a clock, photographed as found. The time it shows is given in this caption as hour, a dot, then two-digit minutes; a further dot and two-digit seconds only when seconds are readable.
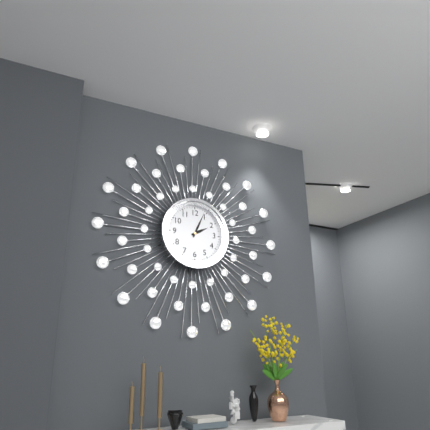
2.04
